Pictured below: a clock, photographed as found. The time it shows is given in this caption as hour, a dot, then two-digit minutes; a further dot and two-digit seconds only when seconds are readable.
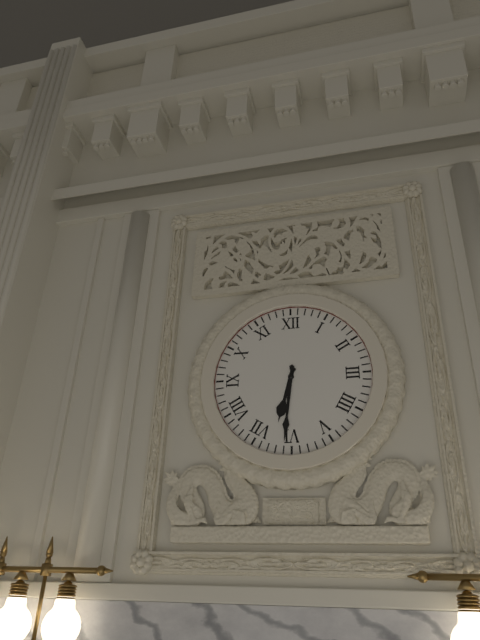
6.31
